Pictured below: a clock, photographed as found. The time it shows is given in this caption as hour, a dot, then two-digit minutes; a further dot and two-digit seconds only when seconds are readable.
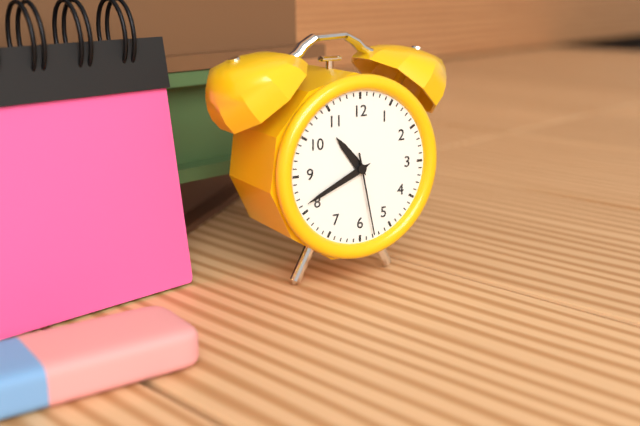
10.41.28
